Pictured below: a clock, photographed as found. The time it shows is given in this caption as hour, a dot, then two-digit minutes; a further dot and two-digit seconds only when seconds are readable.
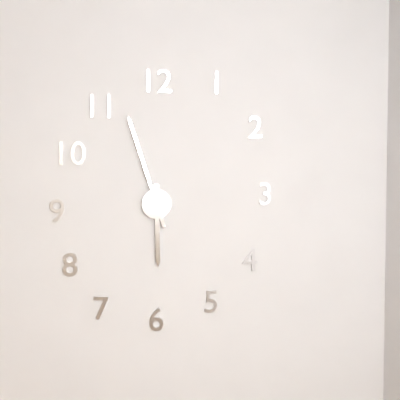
5.57
